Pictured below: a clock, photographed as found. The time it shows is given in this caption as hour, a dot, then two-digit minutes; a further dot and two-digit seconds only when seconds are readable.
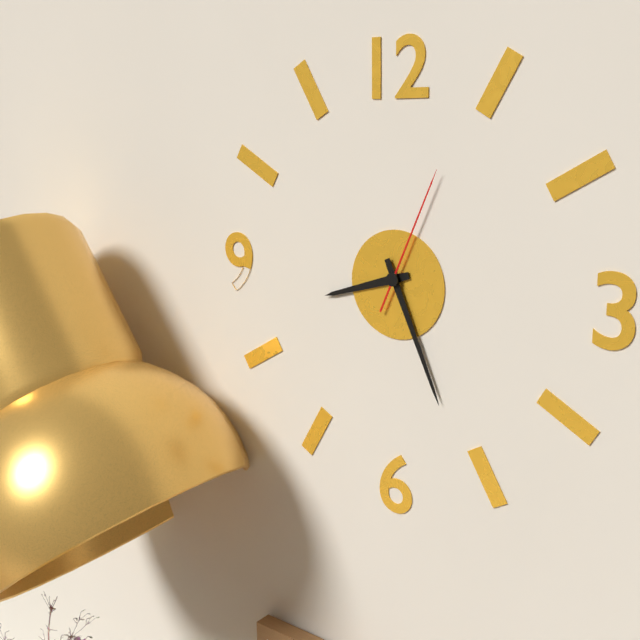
8.26.04
